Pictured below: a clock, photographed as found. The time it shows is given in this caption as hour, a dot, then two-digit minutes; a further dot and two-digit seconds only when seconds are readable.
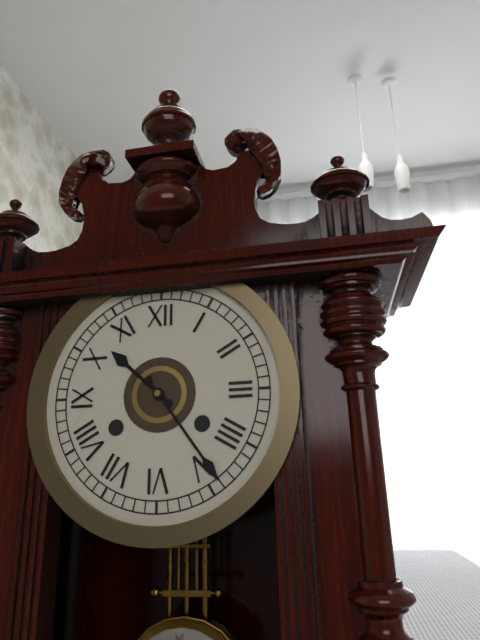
10.24
